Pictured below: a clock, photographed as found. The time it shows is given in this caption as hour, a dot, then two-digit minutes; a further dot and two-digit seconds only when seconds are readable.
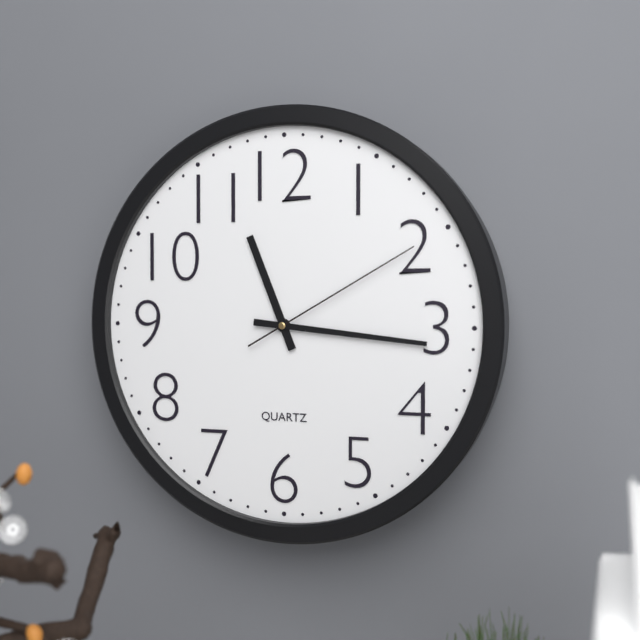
11.16.10
